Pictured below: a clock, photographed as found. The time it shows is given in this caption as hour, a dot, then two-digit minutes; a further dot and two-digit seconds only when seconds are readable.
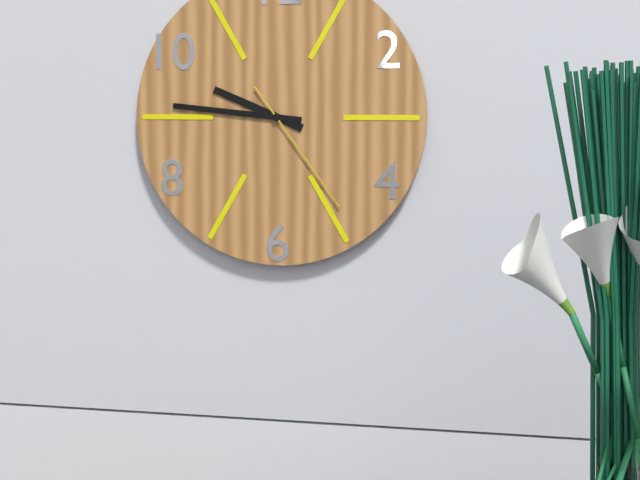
9.46.24
